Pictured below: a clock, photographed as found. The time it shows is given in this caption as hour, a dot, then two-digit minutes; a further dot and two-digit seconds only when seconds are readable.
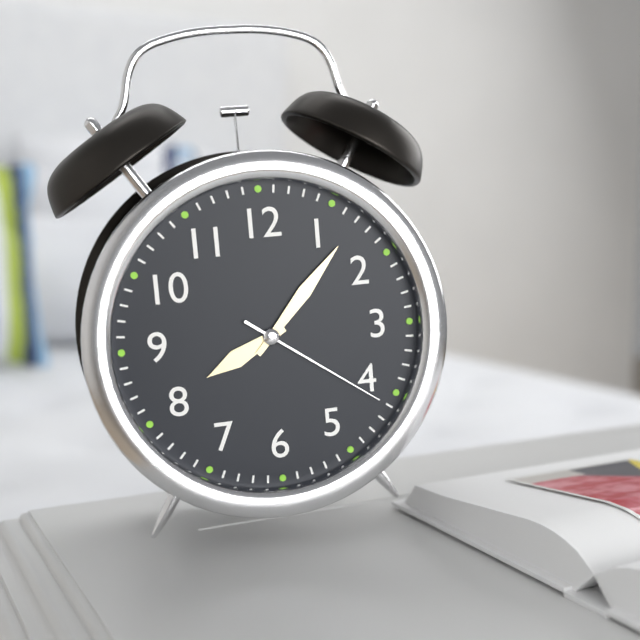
8.07.21
